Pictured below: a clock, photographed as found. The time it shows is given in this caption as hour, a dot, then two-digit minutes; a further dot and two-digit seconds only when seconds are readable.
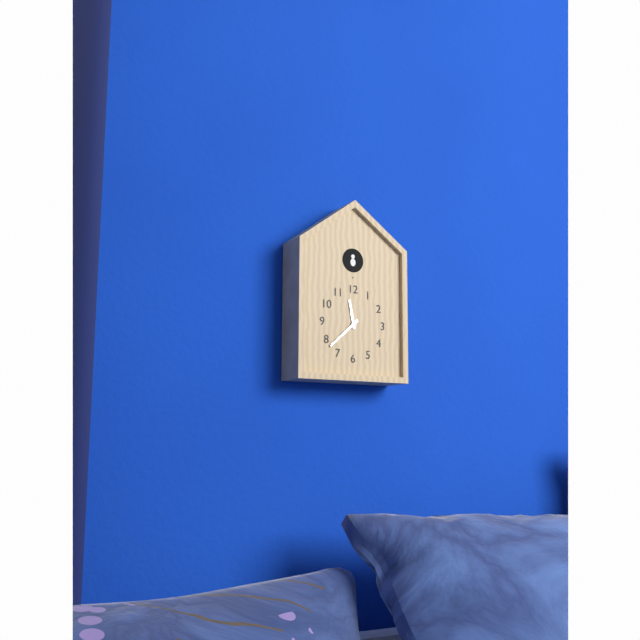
11.38
